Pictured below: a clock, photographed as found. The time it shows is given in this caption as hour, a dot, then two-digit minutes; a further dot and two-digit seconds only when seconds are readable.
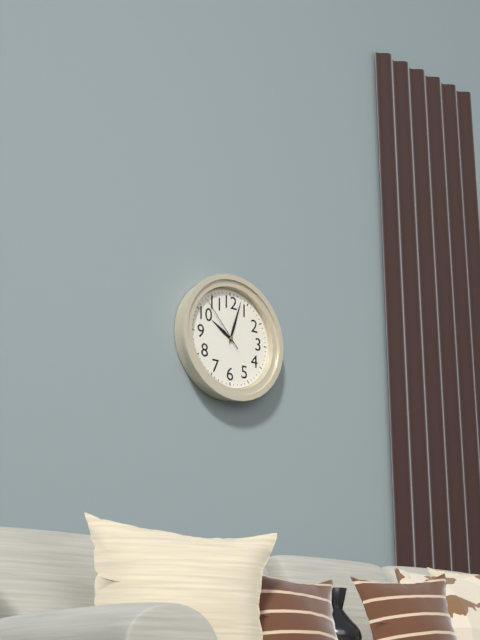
10.03.53
